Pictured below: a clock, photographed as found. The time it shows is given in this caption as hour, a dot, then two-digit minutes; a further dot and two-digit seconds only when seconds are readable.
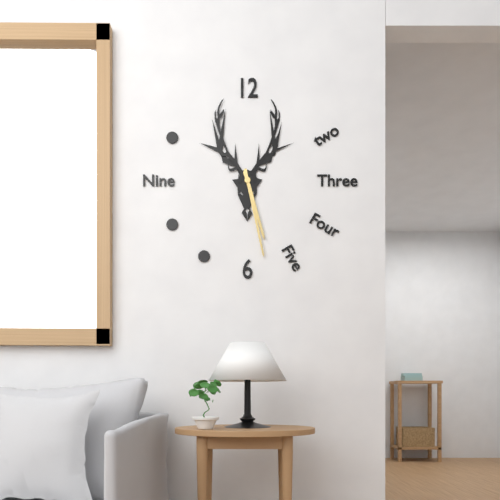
5.28
